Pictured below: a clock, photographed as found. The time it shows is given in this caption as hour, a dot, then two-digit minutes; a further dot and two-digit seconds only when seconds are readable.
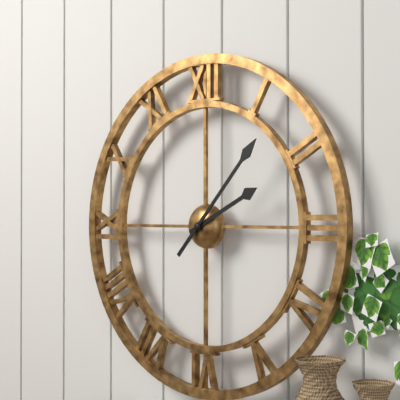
2.07
